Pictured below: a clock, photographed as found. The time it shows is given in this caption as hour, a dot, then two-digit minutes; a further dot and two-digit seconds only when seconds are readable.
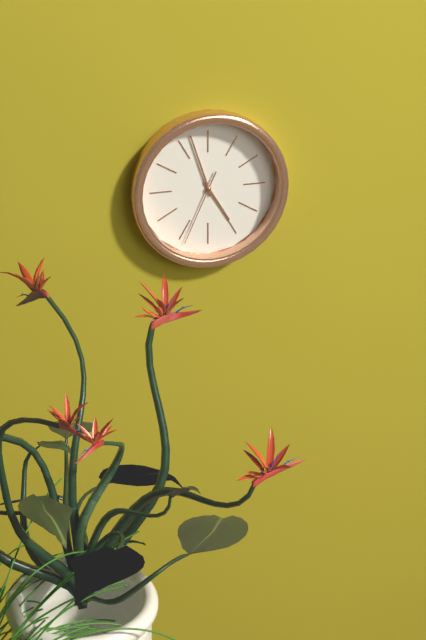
4.57.34
